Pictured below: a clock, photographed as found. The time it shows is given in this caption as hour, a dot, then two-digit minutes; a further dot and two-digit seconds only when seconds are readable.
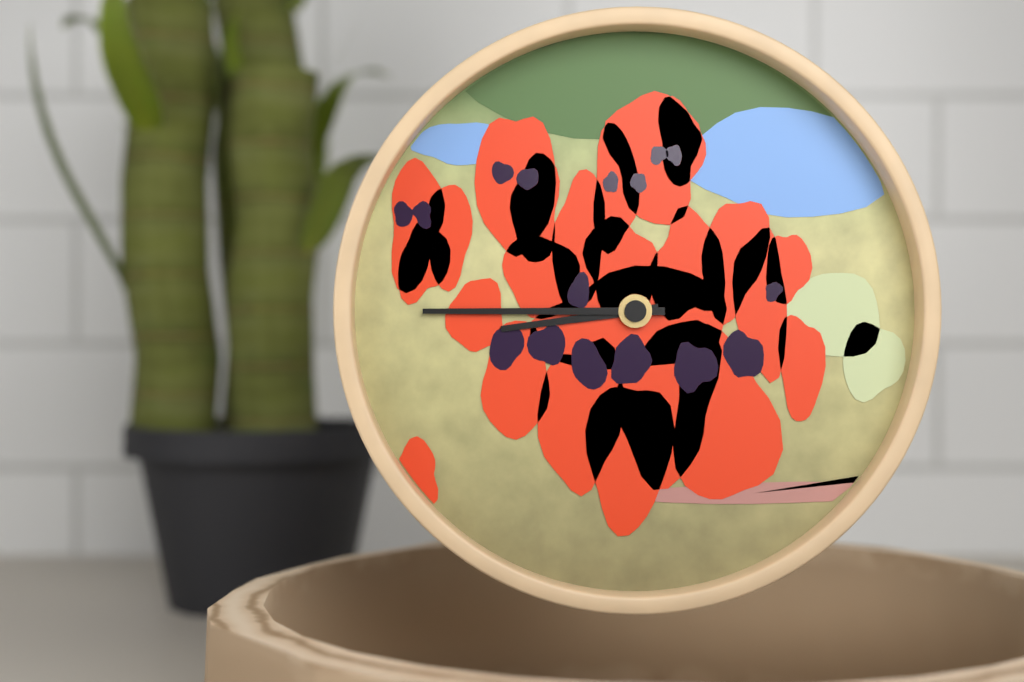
8.45
